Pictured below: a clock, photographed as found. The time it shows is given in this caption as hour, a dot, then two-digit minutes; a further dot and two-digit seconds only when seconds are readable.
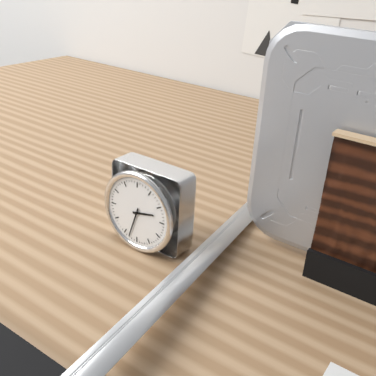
2.33
